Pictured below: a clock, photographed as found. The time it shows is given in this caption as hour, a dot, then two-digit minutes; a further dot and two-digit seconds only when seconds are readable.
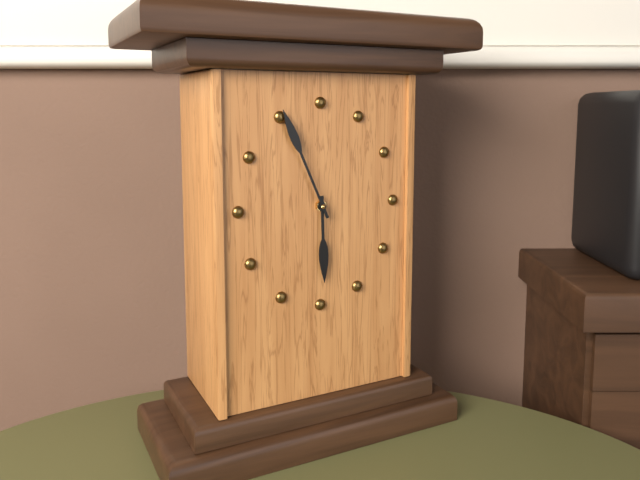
5.56
